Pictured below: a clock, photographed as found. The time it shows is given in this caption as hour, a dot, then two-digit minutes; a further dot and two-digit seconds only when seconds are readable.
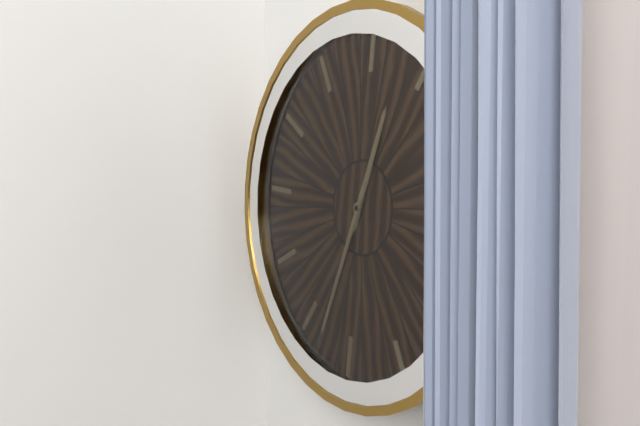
12.33
